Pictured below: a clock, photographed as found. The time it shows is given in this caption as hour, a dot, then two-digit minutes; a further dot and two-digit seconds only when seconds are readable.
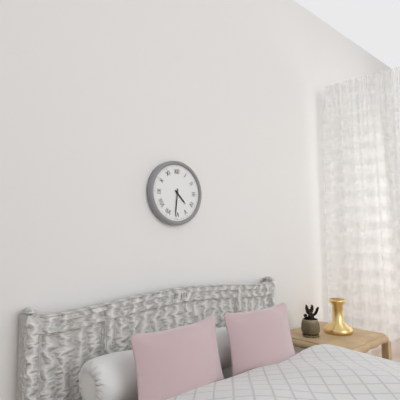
4.31
